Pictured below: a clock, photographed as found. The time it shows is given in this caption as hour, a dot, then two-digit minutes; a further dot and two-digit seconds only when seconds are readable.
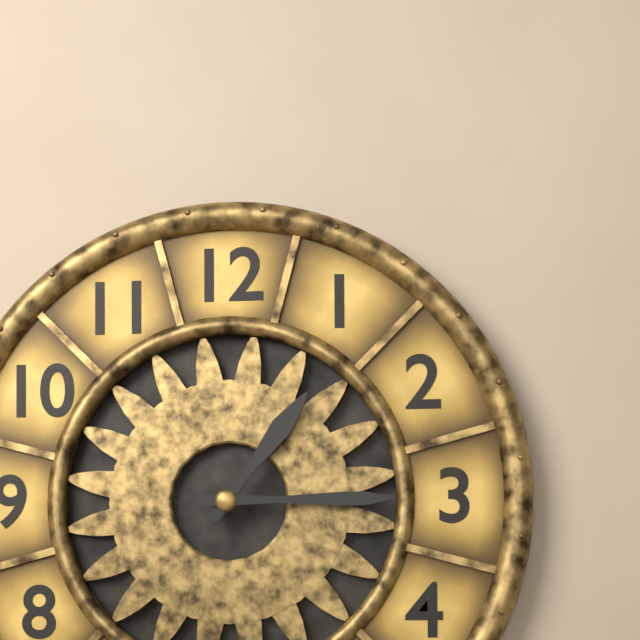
1.15
